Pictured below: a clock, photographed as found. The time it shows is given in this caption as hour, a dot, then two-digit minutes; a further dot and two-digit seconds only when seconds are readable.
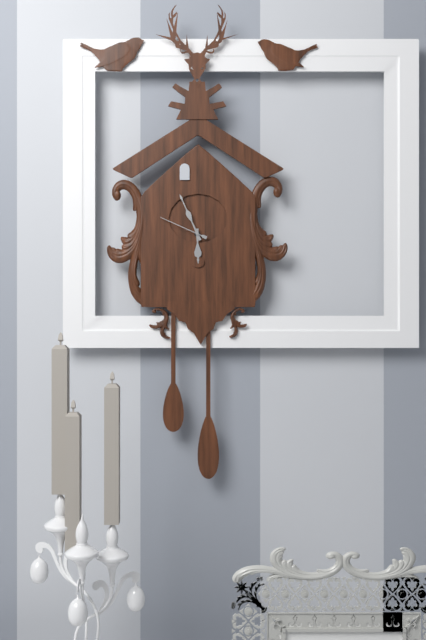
5.56.49
